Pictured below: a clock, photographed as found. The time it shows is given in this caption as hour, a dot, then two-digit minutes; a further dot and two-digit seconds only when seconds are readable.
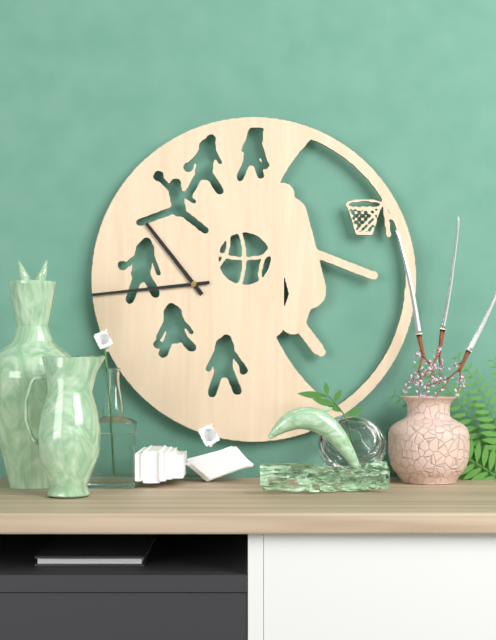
10.44
